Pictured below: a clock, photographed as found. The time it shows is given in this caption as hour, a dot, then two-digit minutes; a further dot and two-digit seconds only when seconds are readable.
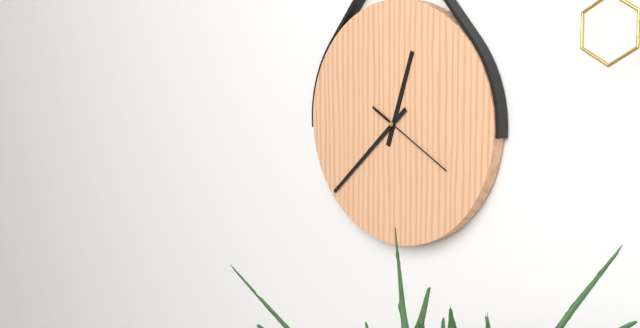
12.38.20
